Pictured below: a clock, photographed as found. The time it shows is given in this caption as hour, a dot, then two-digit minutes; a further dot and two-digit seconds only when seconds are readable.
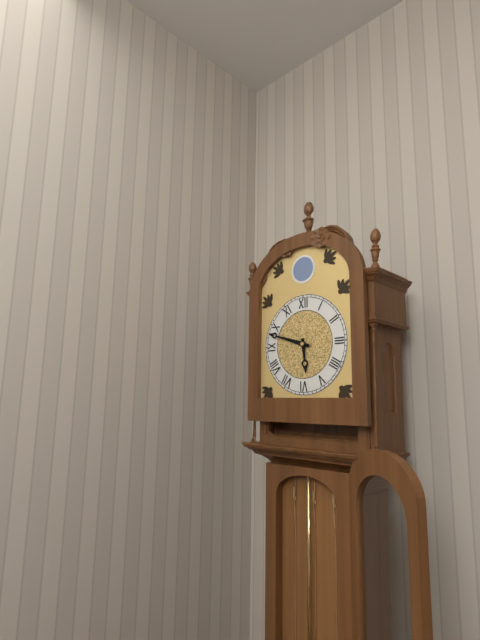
5.48
